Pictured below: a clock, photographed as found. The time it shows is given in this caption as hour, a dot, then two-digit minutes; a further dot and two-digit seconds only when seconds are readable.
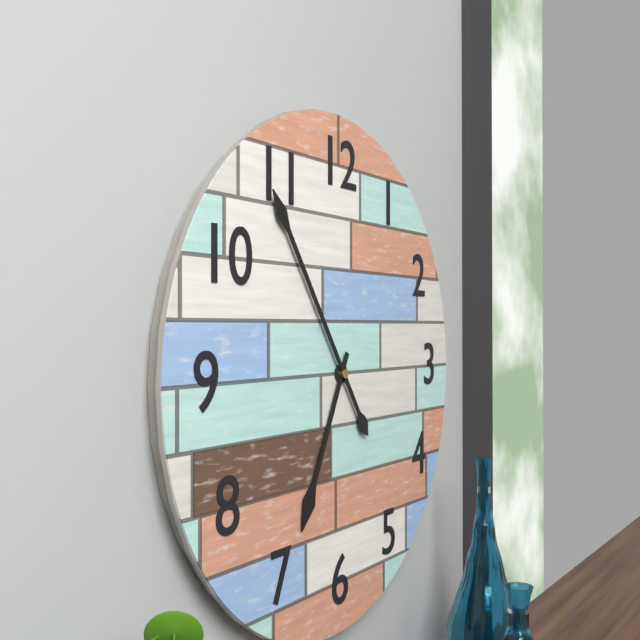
6.54
